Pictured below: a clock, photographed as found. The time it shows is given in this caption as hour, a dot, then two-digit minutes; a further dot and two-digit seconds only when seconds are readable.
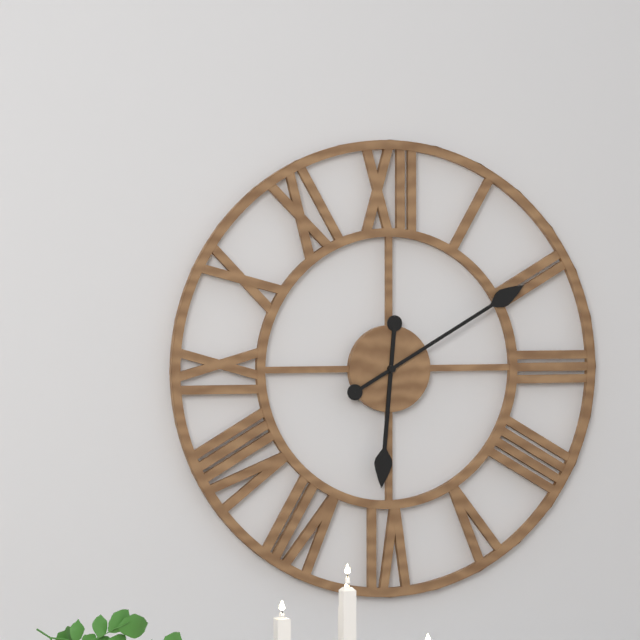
6.10
